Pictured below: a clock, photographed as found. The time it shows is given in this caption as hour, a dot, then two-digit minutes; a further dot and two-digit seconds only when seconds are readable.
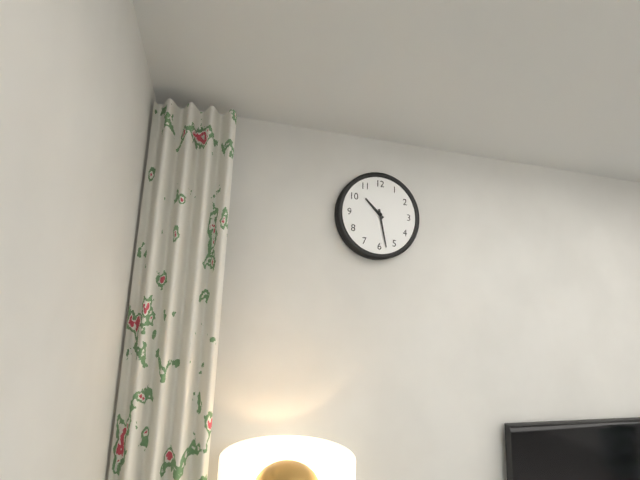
10.28
